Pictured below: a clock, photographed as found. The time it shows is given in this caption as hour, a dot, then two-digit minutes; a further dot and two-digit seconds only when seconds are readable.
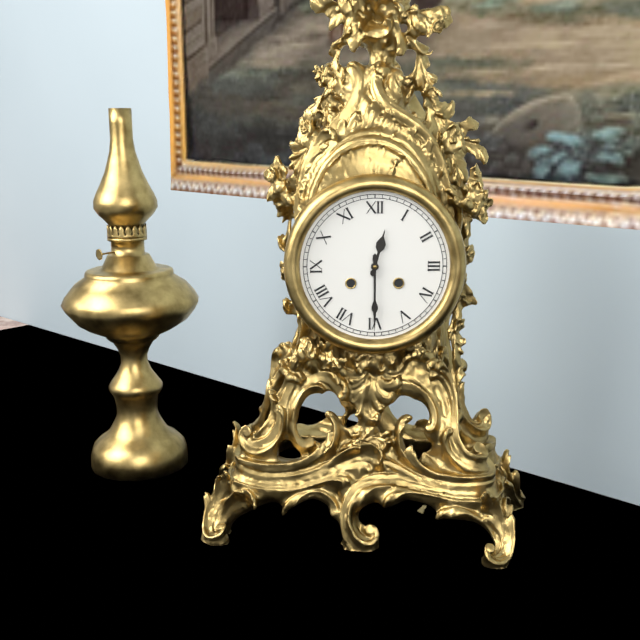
12.30
